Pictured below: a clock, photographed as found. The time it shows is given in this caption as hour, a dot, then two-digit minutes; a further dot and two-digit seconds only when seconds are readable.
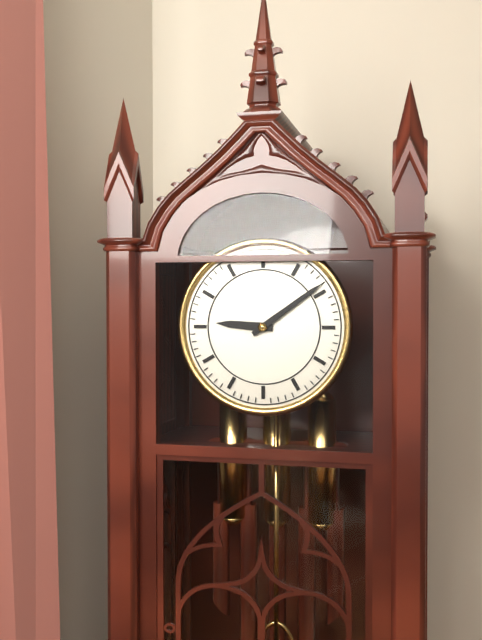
9.09
